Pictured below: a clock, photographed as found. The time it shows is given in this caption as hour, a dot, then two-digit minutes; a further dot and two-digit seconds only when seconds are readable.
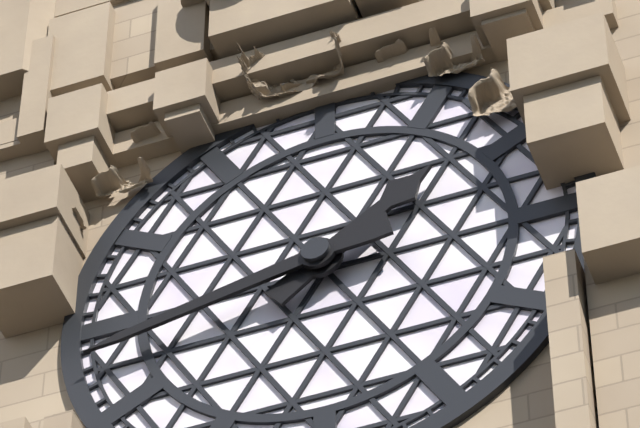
1.43
